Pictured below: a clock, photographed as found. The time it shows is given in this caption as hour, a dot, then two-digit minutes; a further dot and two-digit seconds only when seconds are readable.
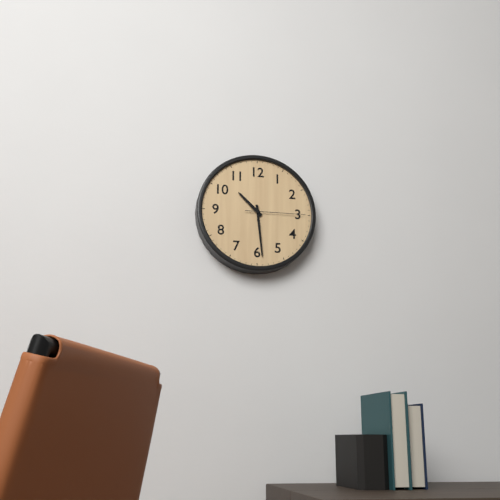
10.29.15
